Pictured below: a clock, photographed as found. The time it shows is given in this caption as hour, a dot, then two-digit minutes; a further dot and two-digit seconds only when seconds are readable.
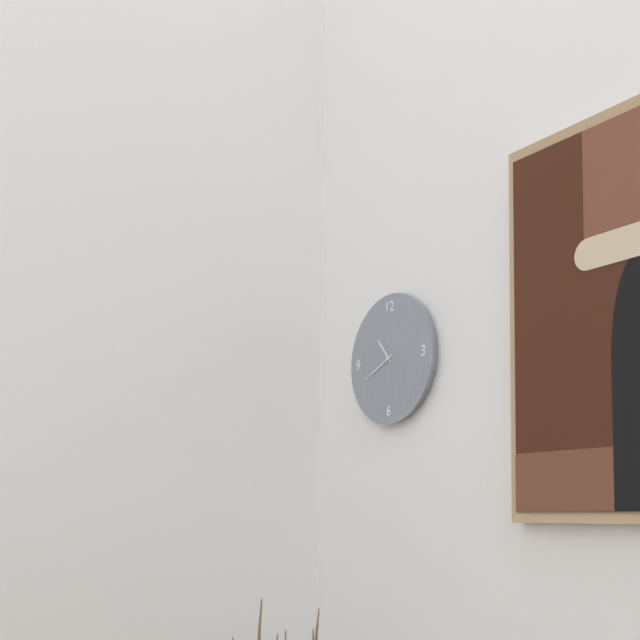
10.41
